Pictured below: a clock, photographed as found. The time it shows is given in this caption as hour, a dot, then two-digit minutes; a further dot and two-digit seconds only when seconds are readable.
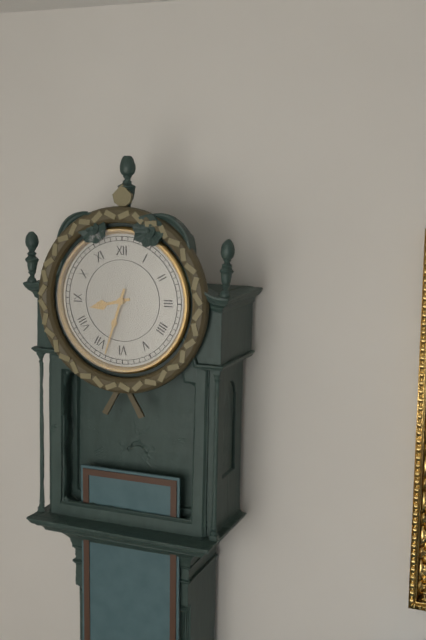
8.33
